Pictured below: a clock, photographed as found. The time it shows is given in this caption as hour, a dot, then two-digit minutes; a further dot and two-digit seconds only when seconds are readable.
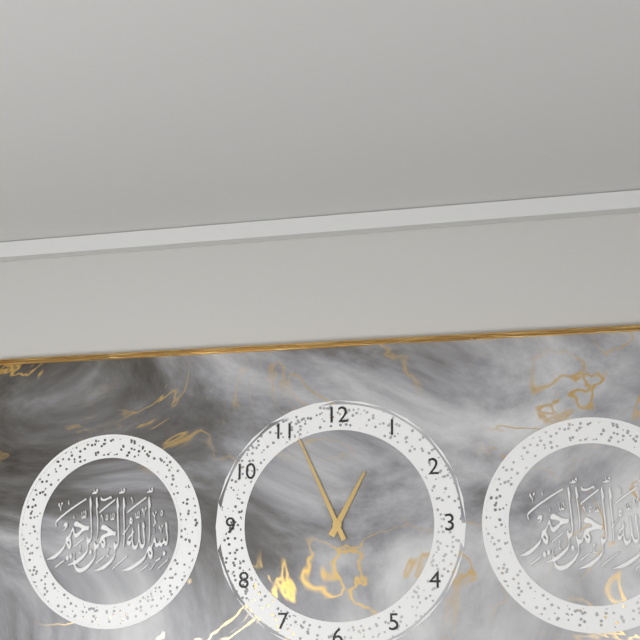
12.56
